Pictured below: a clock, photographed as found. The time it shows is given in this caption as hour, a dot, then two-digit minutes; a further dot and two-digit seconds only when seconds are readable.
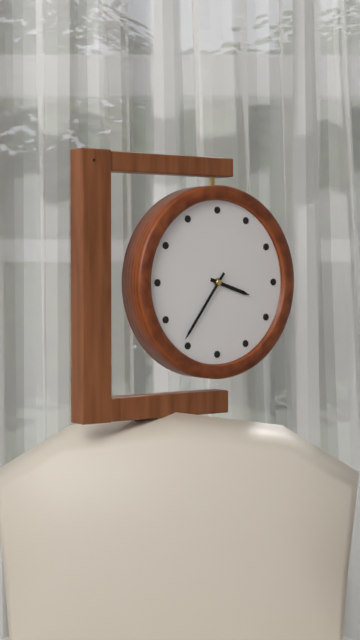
3.36
